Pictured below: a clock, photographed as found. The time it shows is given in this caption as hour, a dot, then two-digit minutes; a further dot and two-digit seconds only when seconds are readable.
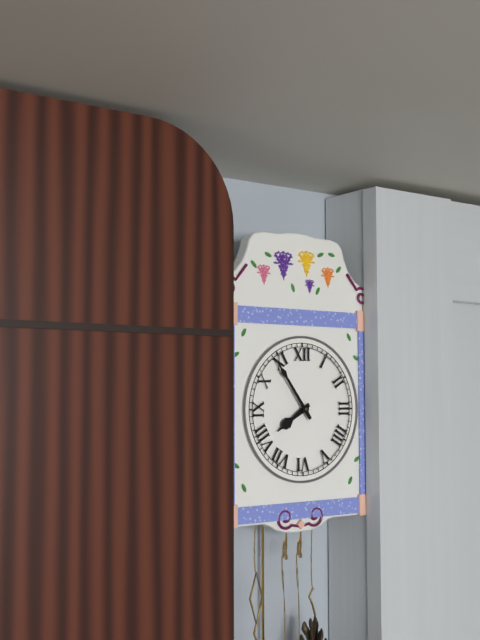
7.54
